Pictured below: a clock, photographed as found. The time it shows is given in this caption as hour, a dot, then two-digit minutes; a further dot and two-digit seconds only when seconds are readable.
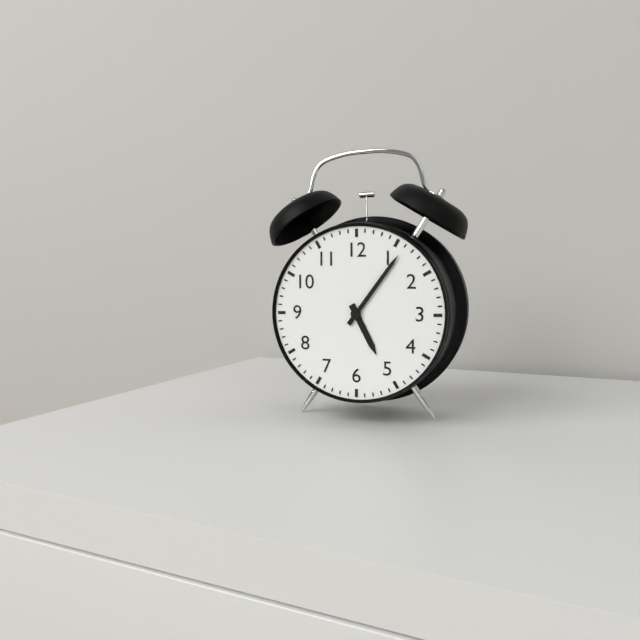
5.06
